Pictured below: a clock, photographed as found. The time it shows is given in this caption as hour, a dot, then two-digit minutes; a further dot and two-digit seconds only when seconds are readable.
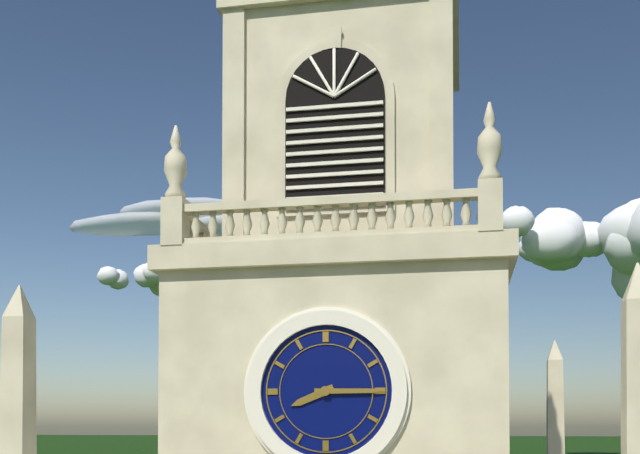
8.15
